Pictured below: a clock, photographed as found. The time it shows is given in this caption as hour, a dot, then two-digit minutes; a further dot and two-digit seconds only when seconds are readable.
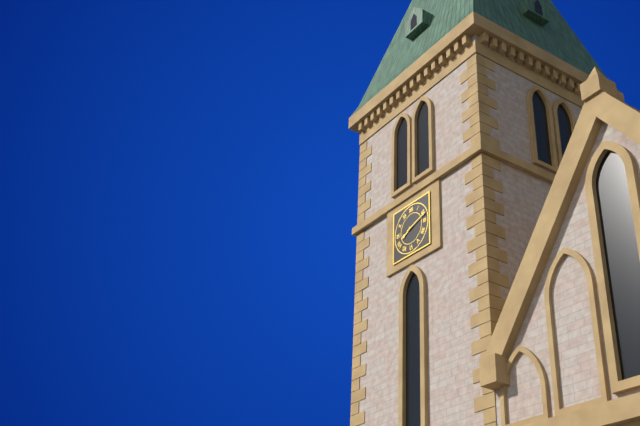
8.12
